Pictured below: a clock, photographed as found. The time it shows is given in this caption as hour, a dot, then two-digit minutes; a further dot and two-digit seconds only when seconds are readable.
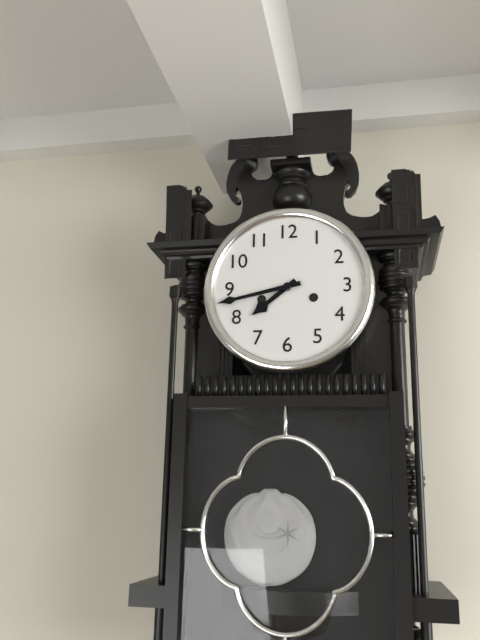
7.43
